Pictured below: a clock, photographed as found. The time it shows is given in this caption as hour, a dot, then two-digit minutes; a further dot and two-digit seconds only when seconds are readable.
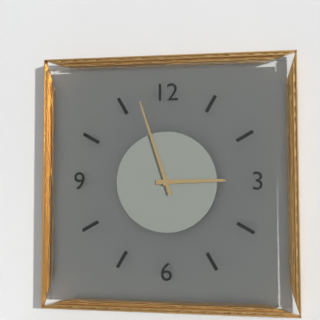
2.57
